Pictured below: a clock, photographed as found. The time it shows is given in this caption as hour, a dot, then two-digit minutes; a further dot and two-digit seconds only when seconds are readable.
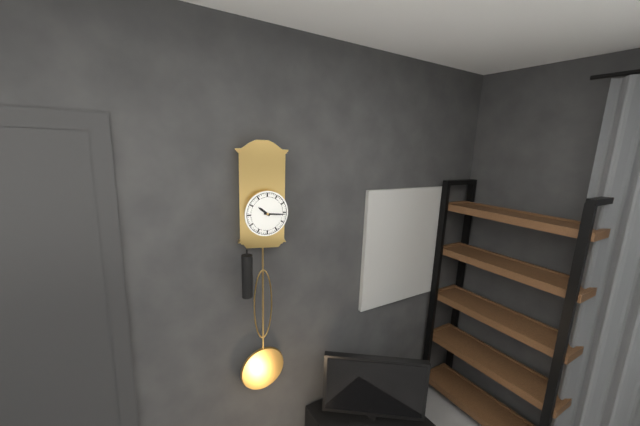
10.16
